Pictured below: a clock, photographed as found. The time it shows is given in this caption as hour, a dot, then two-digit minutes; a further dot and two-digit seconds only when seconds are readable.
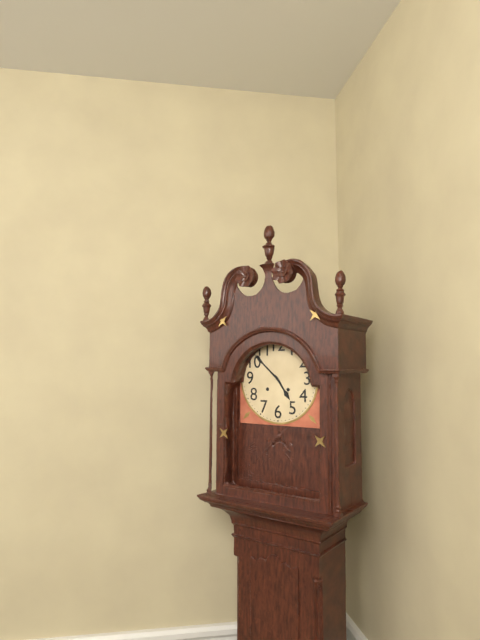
4.52
